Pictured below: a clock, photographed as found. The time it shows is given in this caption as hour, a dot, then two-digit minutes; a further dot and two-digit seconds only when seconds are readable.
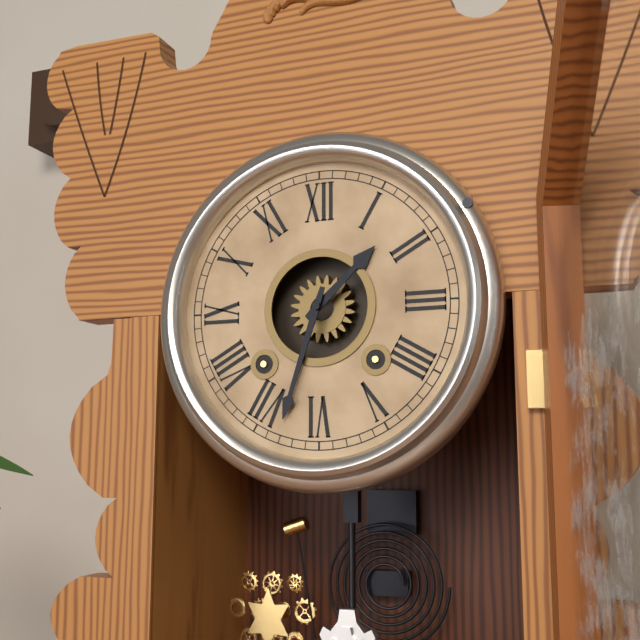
1.33
